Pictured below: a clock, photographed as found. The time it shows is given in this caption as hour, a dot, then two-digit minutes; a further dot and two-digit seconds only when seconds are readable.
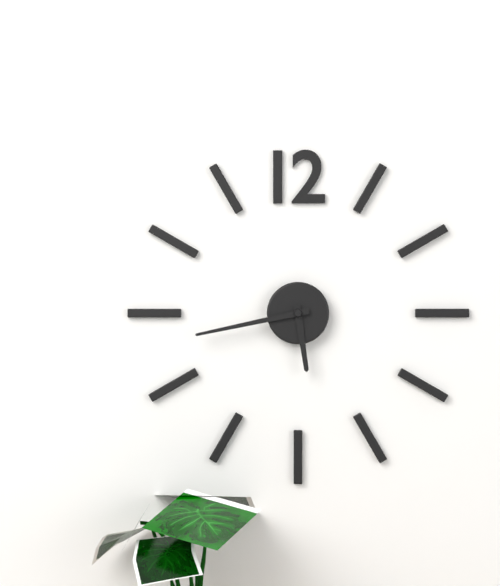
5.43
